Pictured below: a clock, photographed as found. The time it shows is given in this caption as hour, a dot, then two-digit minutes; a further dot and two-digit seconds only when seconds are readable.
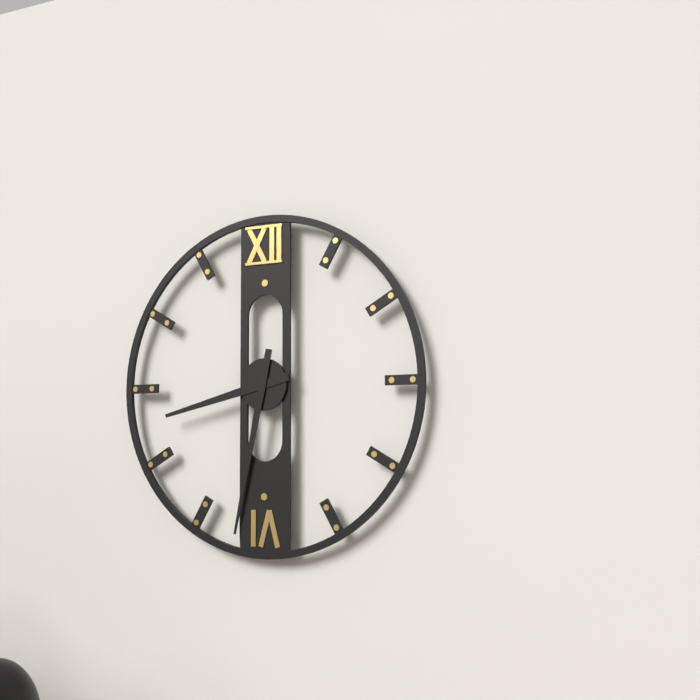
8.32
